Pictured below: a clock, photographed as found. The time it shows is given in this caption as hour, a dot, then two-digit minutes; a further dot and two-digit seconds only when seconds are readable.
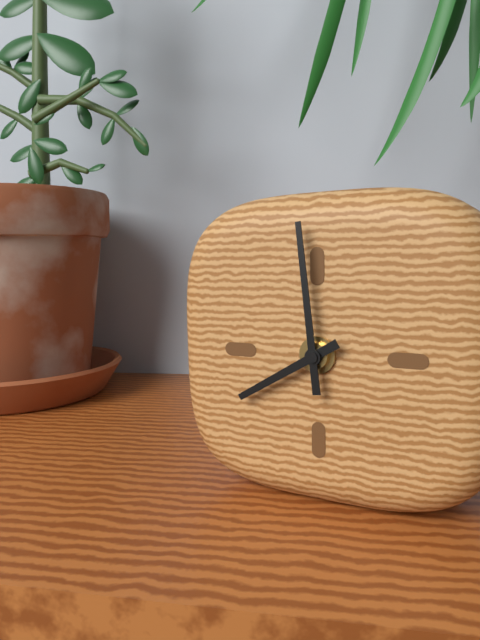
7.59
